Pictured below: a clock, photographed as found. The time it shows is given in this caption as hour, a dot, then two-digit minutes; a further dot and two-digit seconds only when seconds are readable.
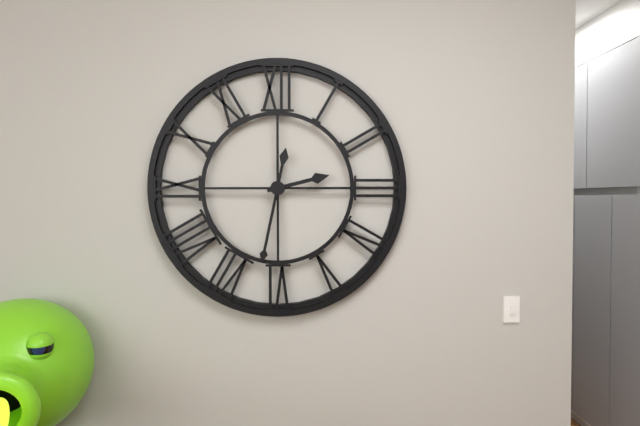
2.32
